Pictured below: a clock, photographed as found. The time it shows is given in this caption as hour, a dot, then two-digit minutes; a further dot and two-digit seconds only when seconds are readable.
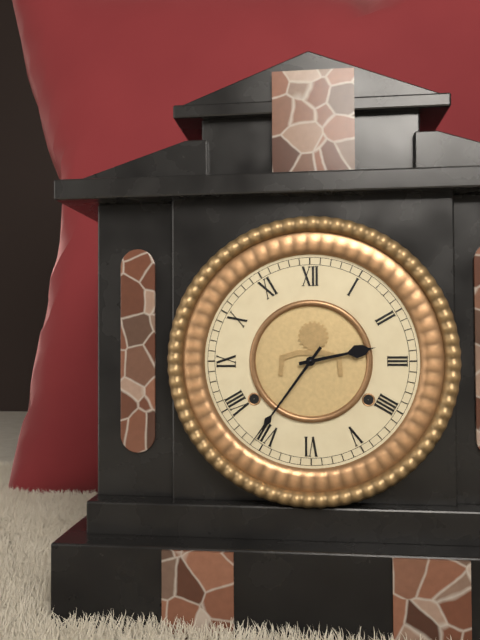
2.36
